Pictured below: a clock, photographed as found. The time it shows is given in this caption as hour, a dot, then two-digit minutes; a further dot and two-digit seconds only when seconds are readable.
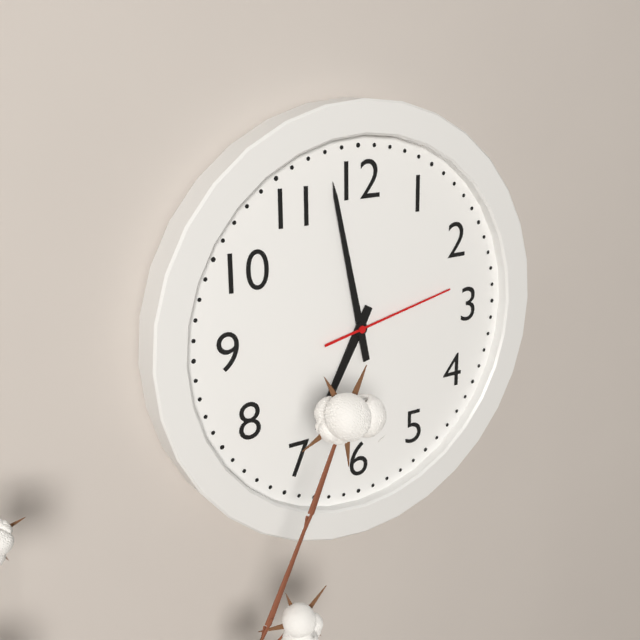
6.58.13
